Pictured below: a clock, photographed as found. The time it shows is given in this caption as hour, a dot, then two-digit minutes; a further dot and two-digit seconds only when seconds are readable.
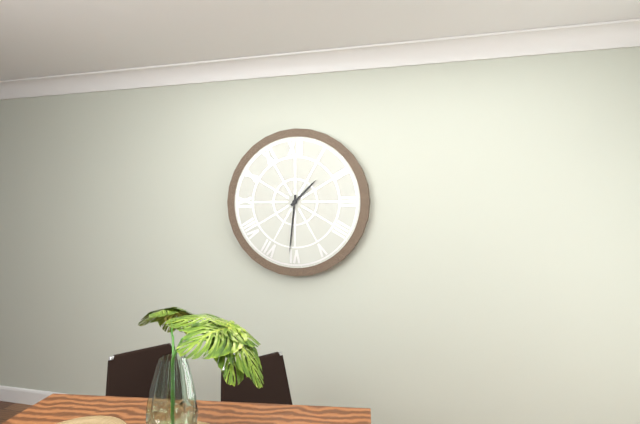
1.31
